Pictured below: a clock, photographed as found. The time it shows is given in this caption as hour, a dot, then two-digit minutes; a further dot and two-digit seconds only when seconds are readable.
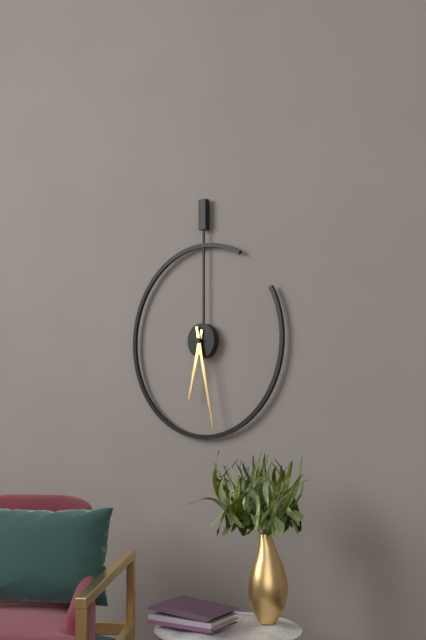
6.28
